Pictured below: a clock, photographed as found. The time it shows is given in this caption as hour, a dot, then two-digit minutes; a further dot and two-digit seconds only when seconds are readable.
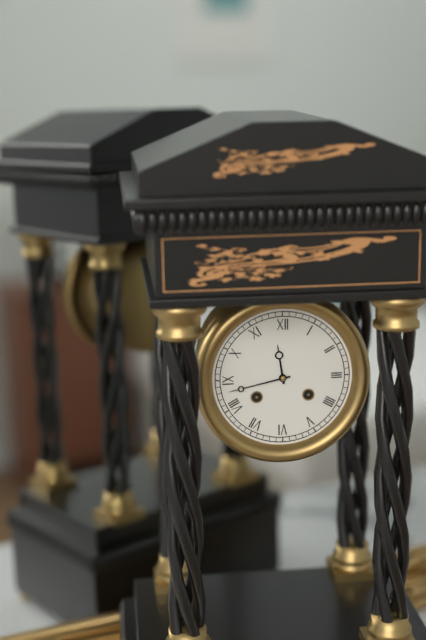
11.43
